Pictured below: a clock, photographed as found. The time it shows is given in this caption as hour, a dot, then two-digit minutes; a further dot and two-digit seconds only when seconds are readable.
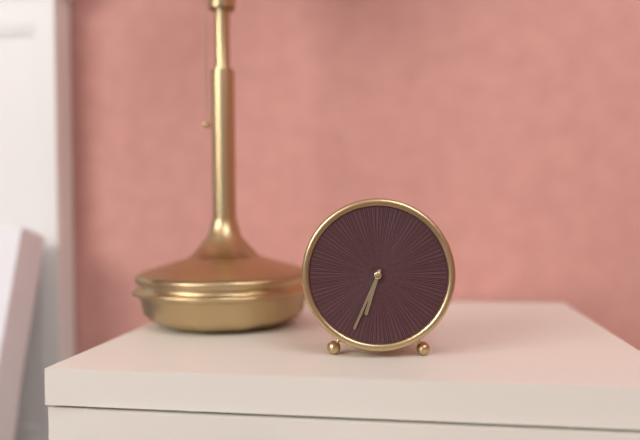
6.34
